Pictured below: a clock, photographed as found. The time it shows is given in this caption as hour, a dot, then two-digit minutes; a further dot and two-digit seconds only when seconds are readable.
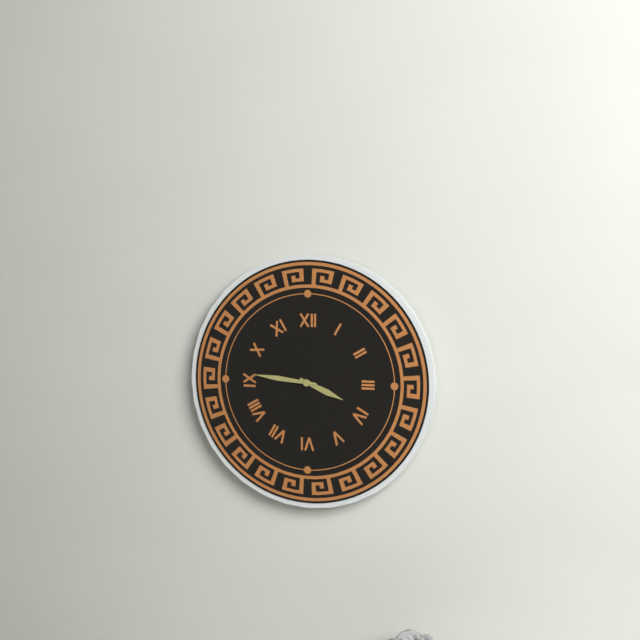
3.46
